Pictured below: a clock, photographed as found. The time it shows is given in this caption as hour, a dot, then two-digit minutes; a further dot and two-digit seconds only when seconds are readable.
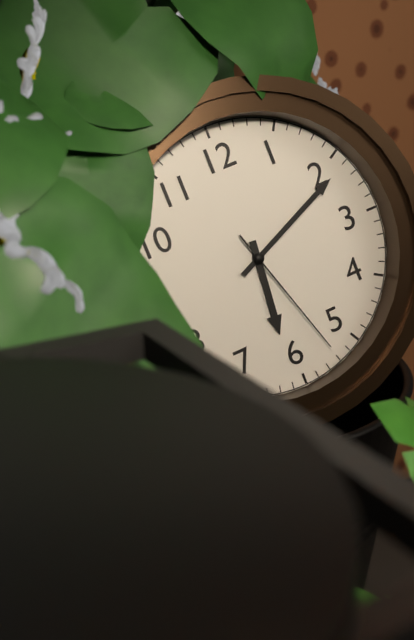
6.11.27
